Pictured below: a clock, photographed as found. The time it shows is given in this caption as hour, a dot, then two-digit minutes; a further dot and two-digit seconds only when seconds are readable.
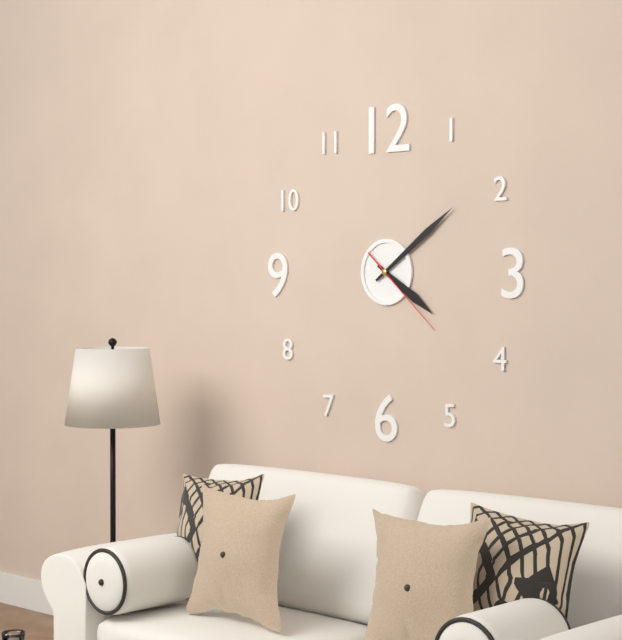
4.09.22
